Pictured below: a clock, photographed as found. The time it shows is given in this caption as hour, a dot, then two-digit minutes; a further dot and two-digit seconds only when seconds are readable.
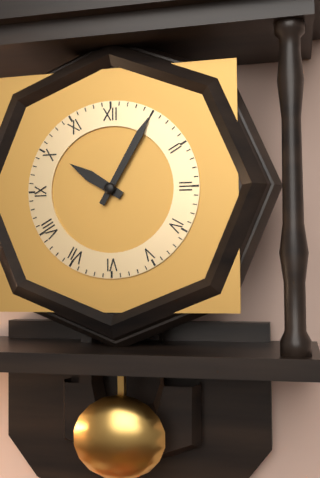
10.05
